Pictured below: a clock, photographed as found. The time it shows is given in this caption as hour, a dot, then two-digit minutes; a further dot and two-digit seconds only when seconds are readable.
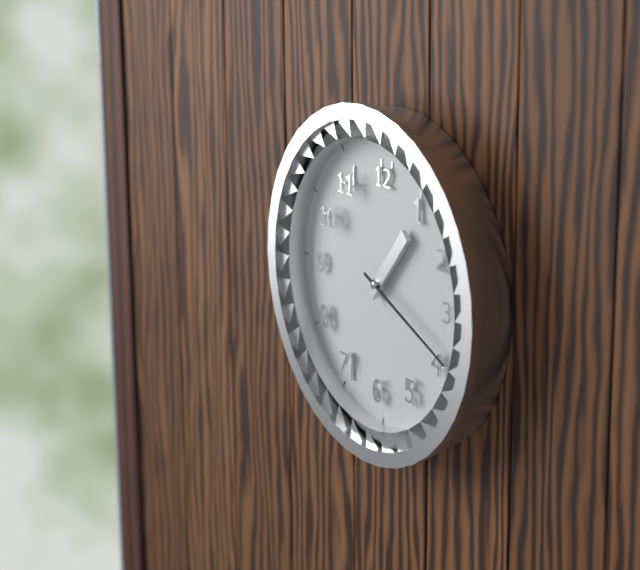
1.19
